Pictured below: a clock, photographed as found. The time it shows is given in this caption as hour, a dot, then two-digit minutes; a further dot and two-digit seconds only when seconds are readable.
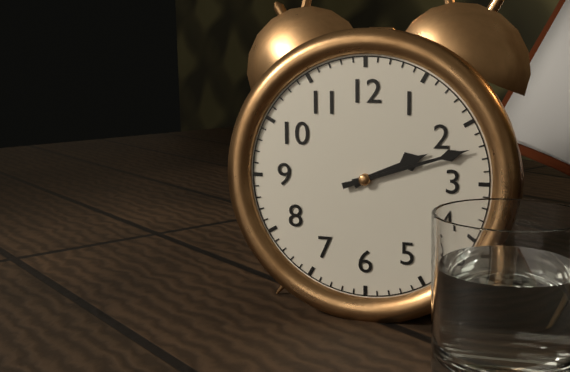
2.12
